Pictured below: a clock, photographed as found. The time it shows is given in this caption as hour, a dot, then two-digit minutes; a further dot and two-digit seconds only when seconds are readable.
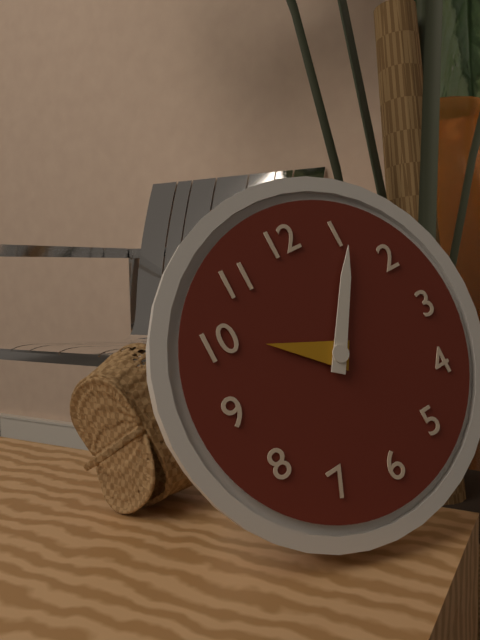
10.06
